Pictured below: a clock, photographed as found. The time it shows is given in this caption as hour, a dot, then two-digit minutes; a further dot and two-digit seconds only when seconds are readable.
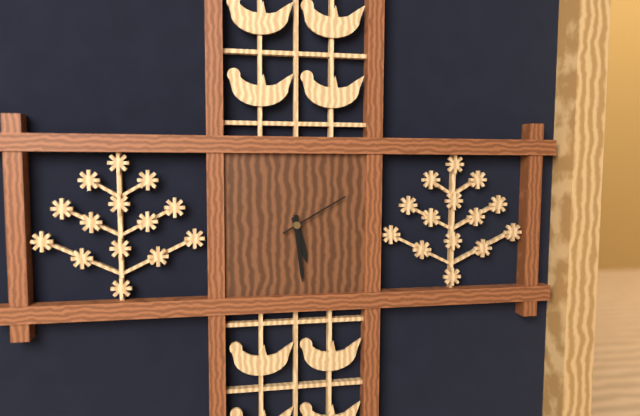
5.29.10
